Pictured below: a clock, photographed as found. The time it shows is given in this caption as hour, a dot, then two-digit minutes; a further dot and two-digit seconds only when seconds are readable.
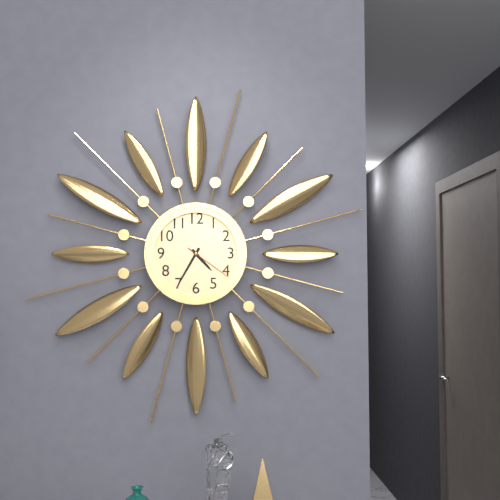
4.35.21
